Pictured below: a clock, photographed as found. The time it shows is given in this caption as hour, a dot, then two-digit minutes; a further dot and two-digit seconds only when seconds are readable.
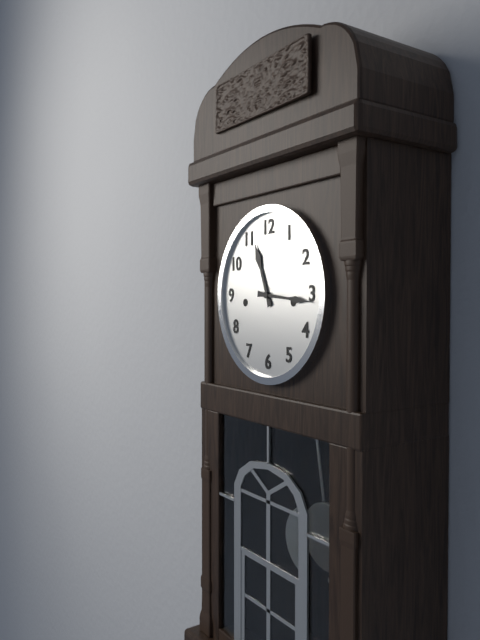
11.16
